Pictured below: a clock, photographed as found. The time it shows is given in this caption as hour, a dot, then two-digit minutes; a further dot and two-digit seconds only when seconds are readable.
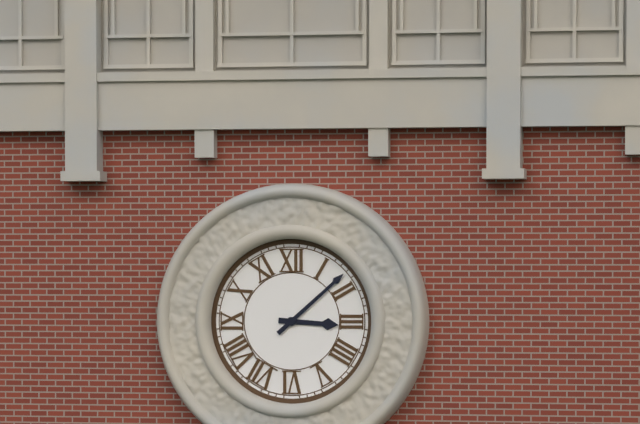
3.08
